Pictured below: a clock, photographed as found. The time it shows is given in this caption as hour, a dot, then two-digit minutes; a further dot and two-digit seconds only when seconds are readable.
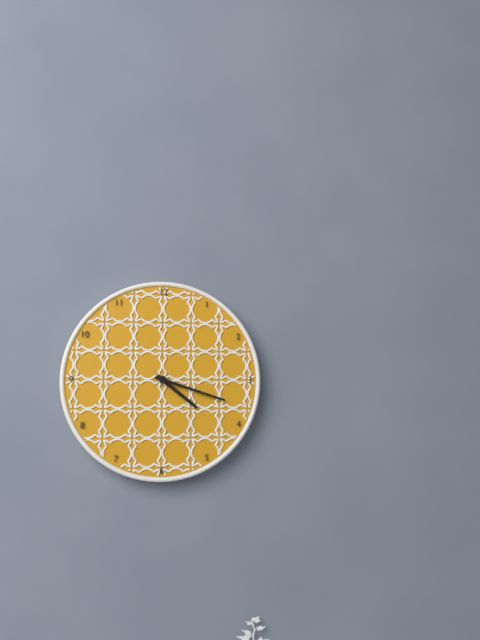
4.18
